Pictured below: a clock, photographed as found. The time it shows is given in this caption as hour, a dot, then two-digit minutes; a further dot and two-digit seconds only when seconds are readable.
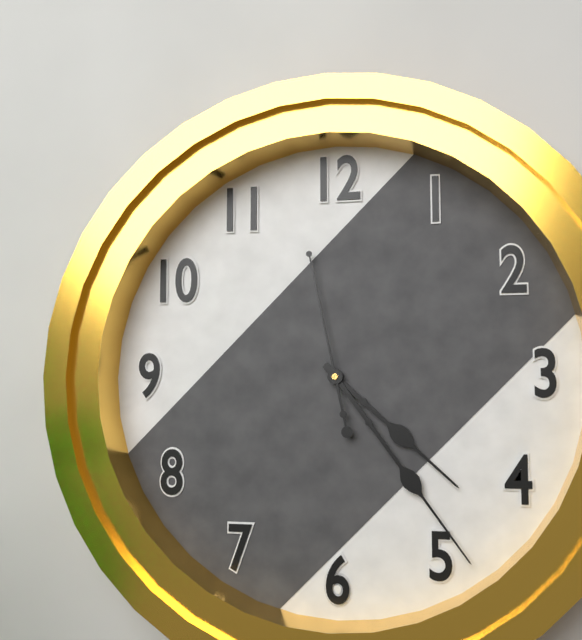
4.24.58
